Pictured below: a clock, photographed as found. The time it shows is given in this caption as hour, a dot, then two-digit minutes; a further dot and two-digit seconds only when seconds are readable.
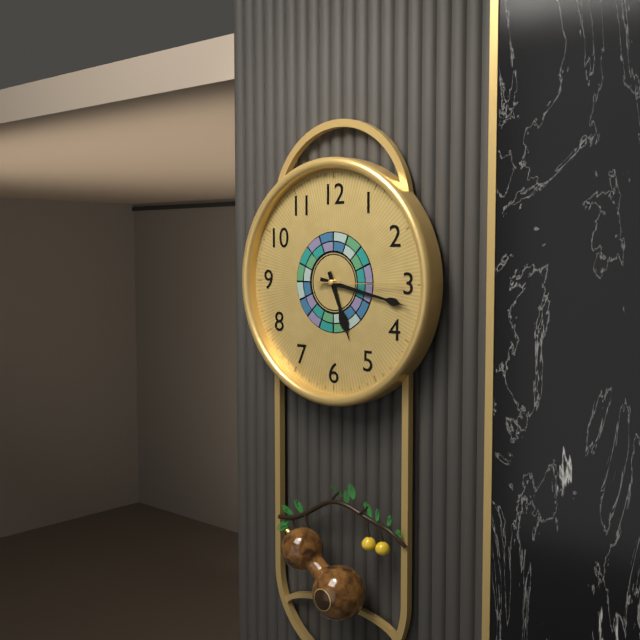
5.17.15
